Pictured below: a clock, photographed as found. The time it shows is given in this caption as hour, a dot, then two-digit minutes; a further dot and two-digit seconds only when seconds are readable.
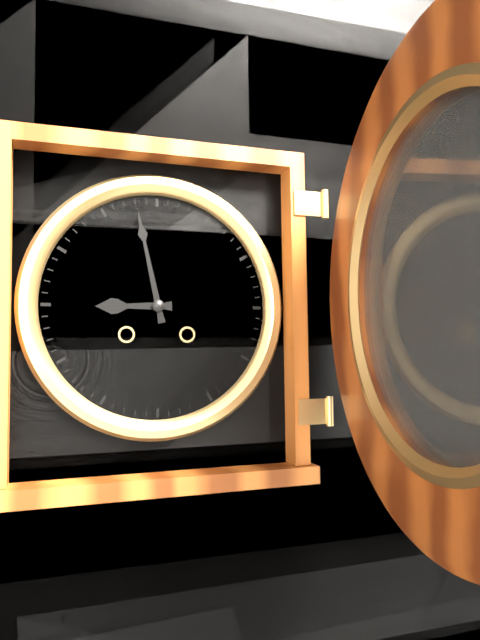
8.58
